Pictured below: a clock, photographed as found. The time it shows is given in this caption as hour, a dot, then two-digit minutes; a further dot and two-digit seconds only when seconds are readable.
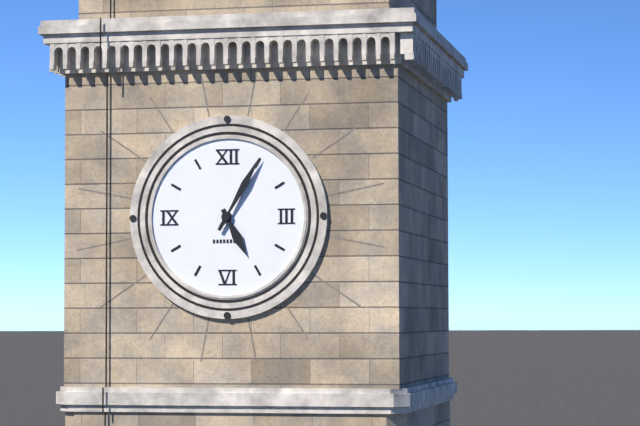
5.05
